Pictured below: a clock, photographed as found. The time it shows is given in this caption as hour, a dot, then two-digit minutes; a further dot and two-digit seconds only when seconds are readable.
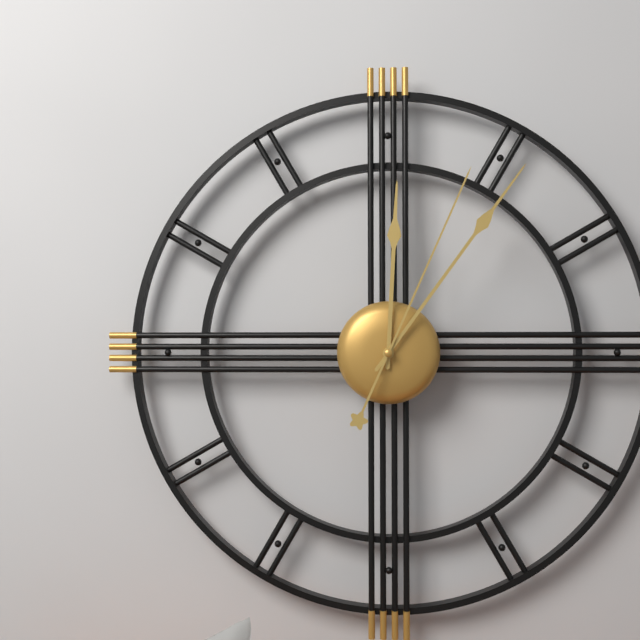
12.06.04
